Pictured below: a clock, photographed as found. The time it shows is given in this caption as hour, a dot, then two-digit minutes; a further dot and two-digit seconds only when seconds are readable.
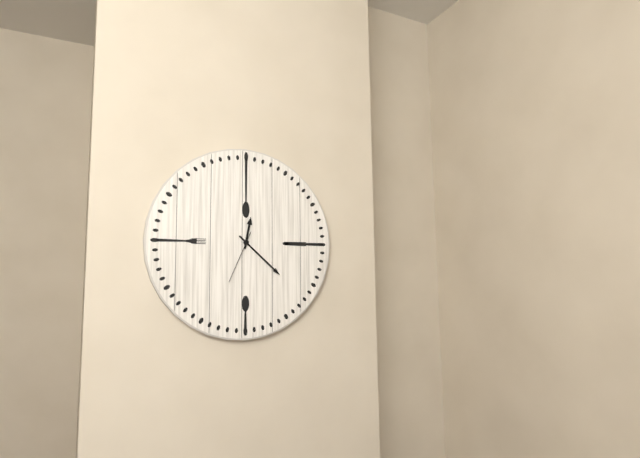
12.22.34
